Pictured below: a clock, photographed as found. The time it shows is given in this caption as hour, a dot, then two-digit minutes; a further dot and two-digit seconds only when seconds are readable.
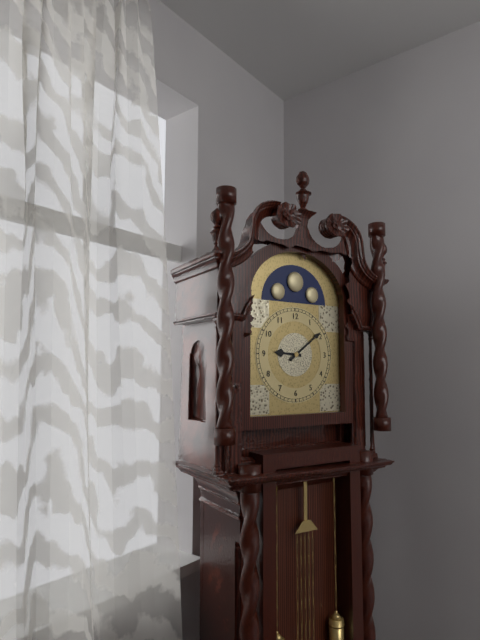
9.09
